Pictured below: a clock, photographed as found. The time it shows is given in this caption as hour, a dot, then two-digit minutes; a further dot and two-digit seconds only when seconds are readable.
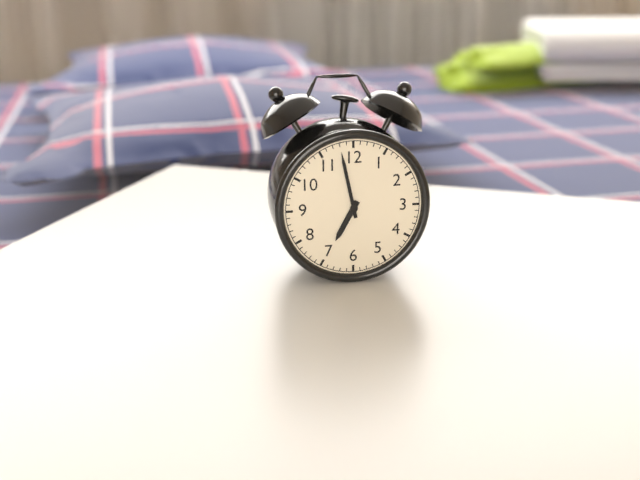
6.58
